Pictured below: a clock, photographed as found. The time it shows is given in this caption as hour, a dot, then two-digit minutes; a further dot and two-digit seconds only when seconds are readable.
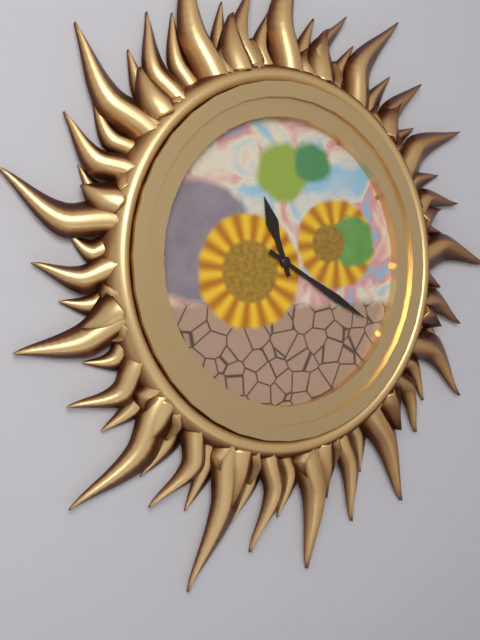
11.20
